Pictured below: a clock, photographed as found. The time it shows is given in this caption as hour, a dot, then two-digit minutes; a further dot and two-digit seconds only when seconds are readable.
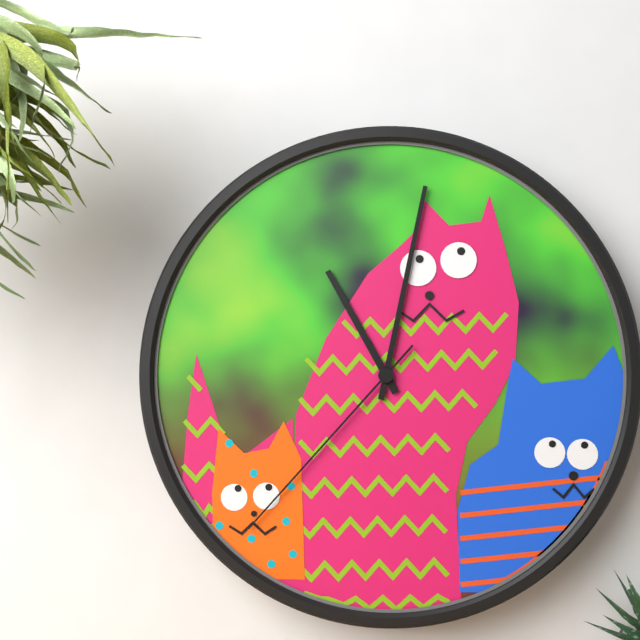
11.02.37
